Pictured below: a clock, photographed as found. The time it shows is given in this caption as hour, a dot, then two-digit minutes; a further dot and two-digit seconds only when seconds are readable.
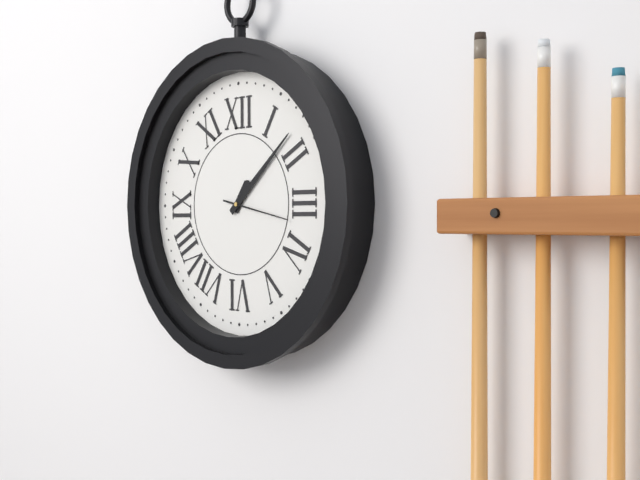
1.08.17
